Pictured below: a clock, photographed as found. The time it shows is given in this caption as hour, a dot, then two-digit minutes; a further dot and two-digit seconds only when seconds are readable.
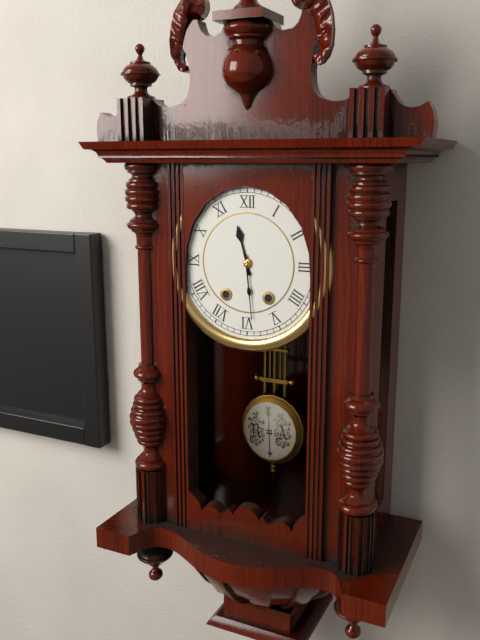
11.29
